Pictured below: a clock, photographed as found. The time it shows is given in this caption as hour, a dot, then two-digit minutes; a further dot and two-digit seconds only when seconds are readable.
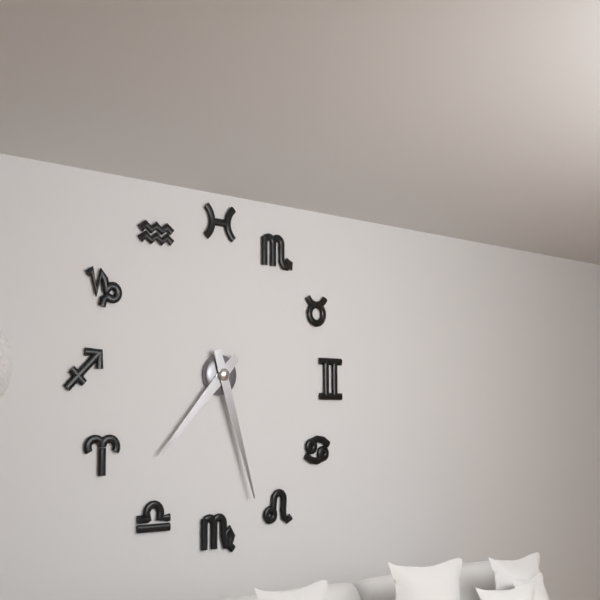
7.27
